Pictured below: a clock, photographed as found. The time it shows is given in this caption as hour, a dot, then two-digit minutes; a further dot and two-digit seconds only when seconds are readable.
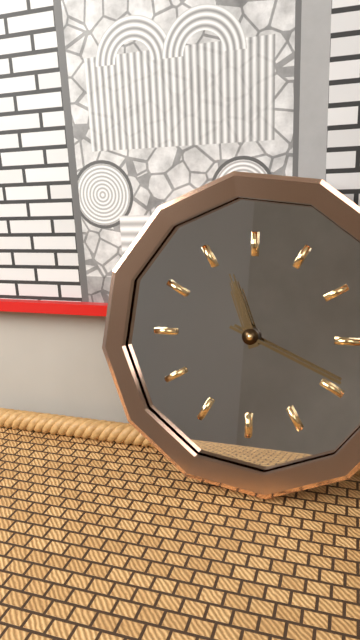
11.19
